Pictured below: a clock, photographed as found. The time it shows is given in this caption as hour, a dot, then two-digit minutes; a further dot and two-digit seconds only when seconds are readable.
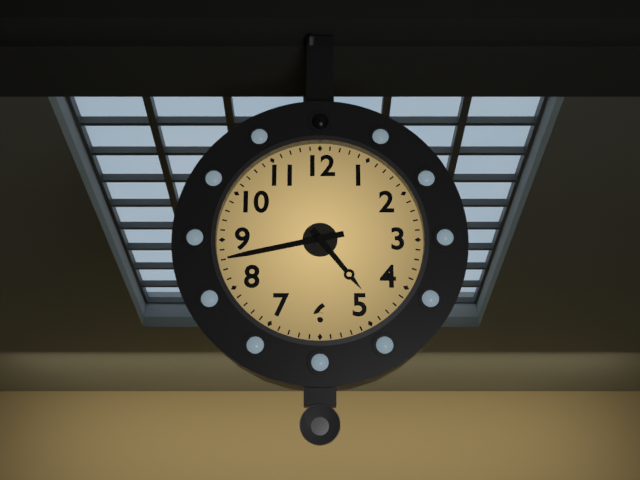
4.43
